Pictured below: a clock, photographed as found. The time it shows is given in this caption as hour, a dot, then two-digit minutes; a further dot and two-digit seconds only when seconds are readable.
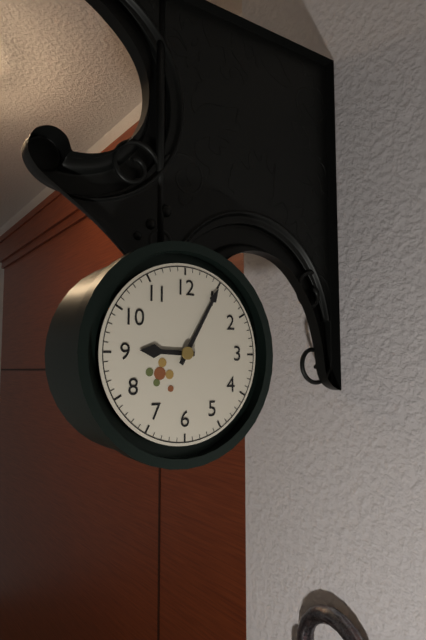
9.05
